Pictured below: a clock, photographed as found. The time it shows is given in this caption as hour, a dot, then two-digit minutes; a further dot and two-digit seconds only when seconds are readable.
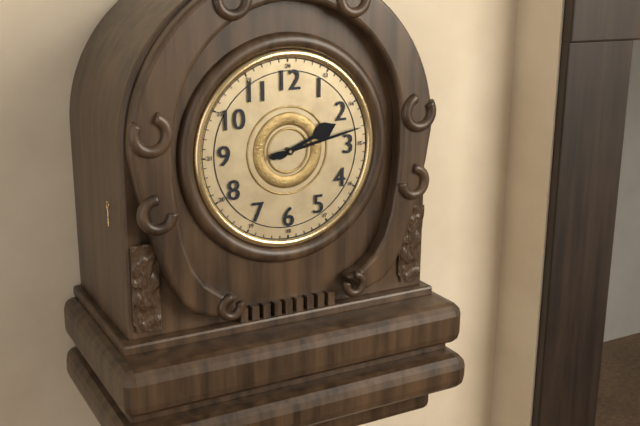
2.13
